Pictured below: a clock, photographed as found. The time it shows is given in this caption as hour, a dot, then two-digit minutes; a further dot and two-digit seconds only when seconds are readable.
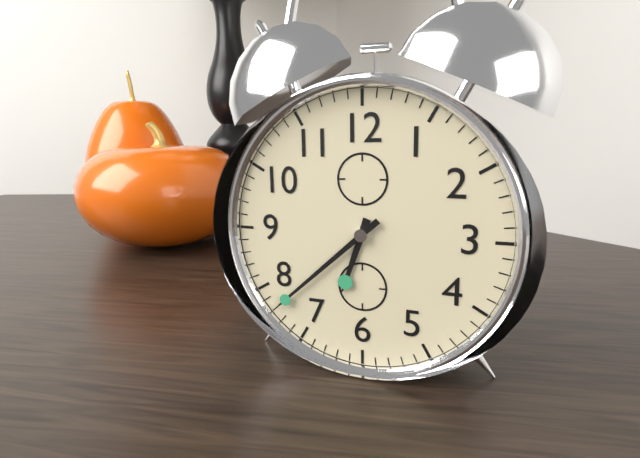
6.38
